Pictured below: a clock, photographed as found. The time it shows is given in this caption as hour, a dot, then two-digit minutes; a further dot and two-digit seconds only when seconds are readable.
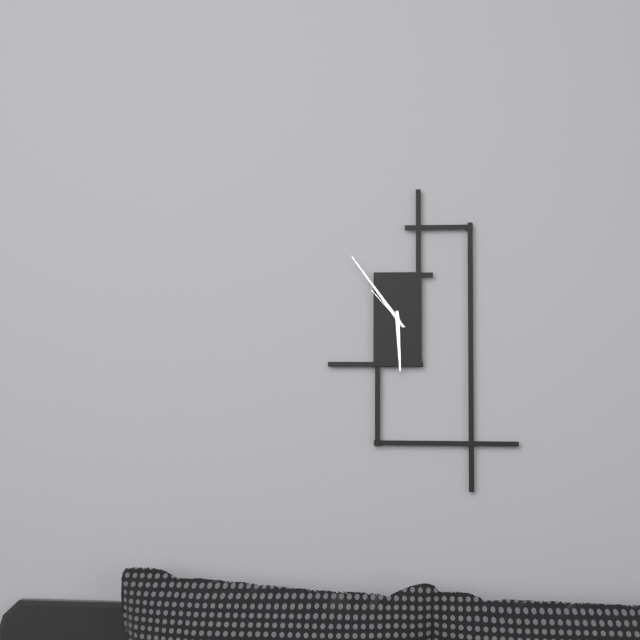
5.54.53
